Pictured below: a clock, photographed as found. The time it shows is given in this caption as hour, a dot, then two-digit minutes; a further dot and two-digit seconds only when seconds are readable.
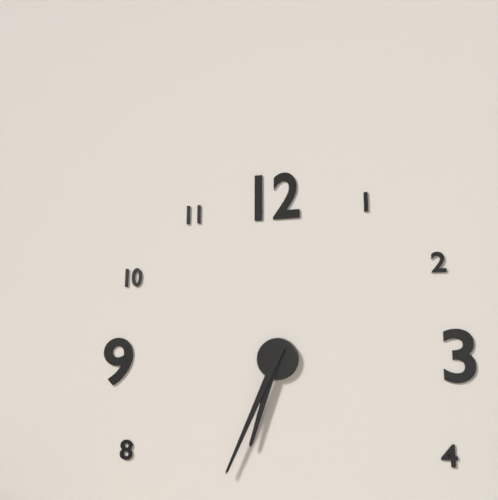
6.34
